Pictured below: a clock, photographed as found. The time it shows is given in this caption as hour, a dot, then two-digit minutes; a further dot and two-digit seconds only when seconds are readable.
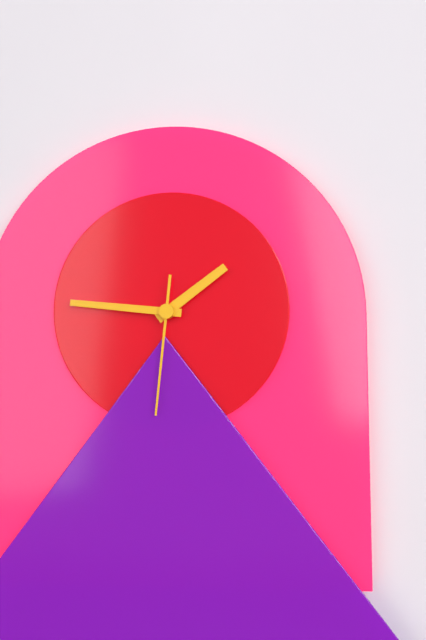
1.46.31
